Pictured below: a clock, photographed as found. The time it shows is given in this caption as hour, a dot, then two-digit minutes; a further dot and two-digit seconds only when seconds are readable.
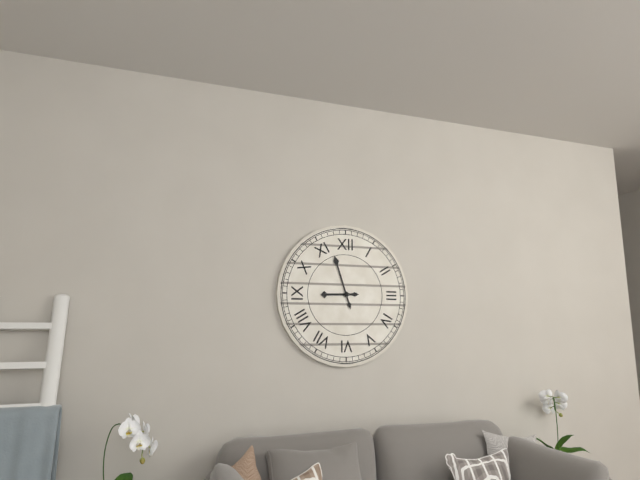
8.57
